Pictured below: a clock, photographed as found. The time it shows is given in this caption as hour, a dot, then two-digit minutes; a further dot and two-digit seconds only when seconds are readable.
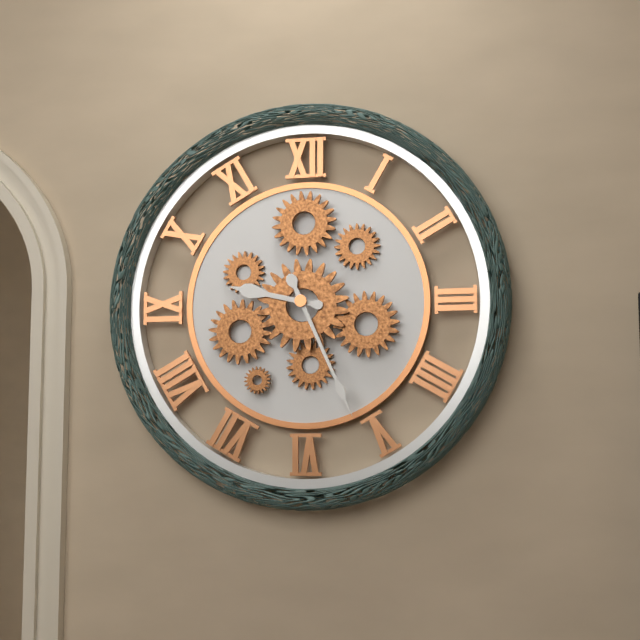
9.26
